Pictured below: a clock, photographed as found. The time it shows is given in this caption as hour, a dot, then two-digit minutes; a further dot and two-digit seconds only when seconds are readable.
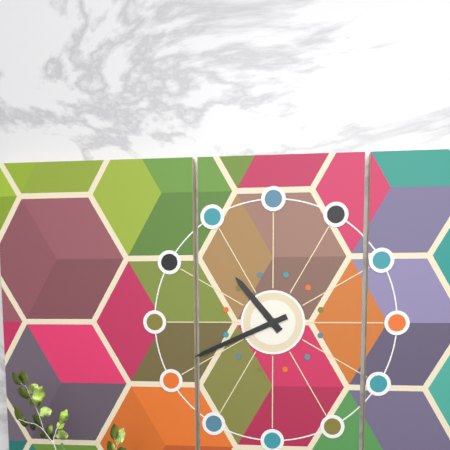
10.41
